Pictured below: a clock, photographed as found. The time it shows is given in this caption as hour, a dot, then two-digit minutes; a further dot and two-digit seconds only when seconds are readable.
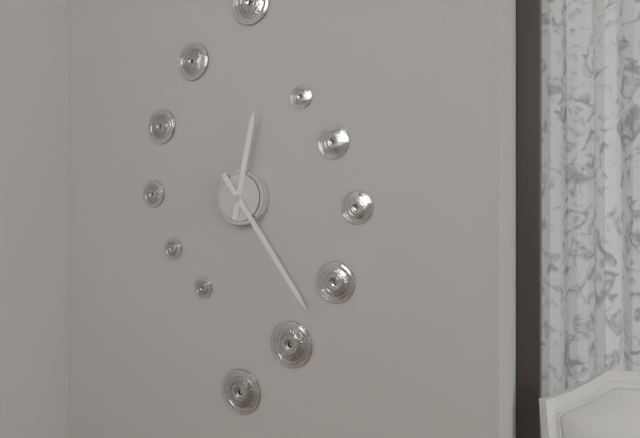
12.24
